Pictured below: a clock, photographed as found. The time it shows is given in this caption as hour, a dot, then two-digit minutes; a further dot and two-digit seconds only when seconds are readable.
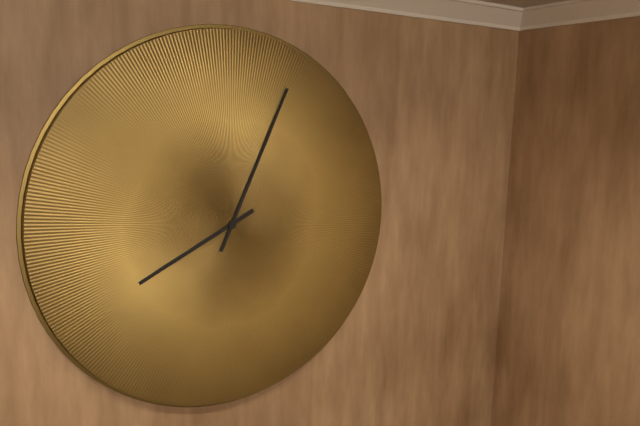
8.04
